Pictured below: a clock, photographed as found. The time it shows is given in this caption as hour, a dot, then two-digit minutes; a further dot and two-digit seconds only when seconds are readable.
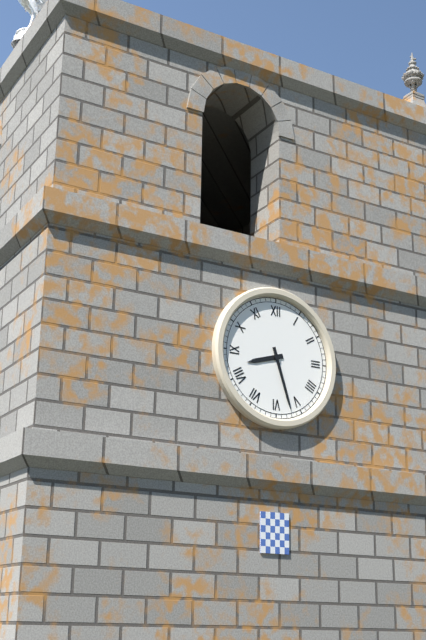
8.27
